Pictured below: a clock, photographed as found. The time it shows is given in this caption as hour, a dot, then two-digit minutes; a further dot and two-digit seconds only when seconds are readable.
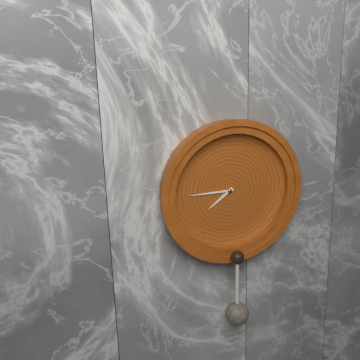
7.45
